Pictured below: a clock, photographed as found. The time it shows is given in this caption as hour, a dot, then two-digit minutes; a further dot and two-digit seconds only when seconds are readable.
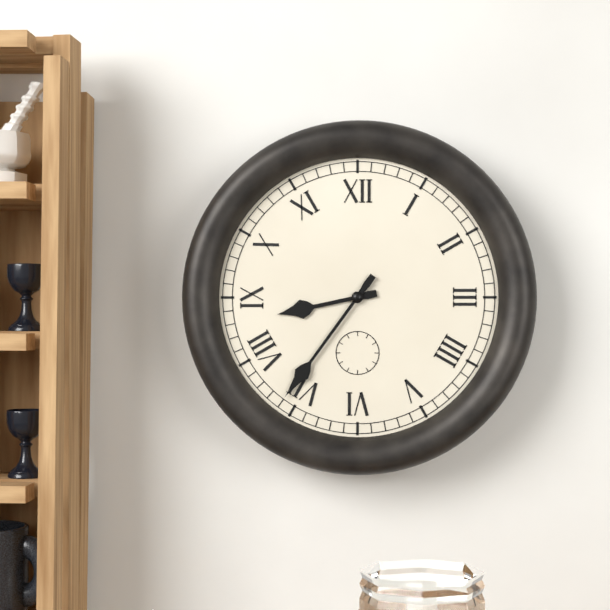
8.36
